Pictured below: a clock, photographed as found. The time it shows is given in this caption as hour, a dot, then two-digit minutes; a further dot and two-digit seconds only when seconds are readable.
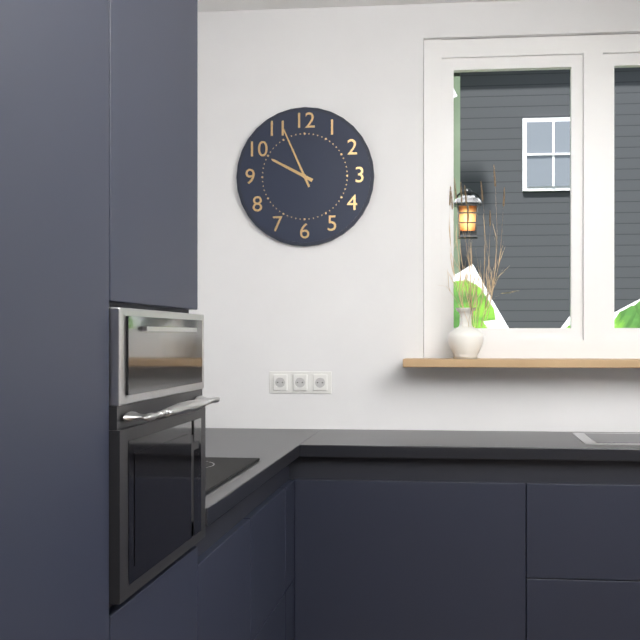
9.56
